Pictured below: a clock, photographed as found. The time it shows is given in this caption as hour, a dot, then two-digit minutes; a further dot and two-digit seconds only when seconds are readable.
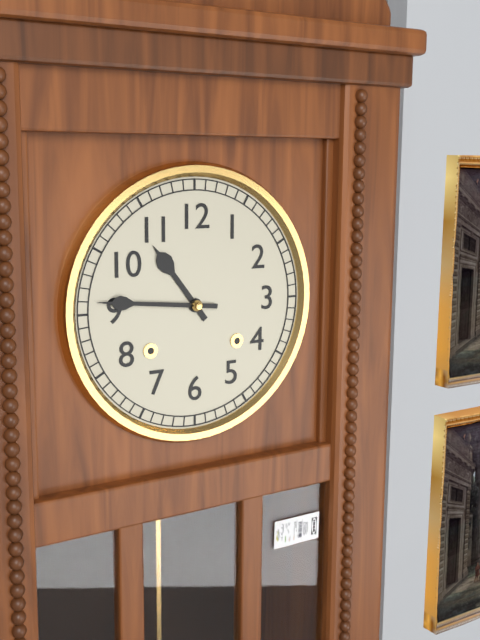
10.46
